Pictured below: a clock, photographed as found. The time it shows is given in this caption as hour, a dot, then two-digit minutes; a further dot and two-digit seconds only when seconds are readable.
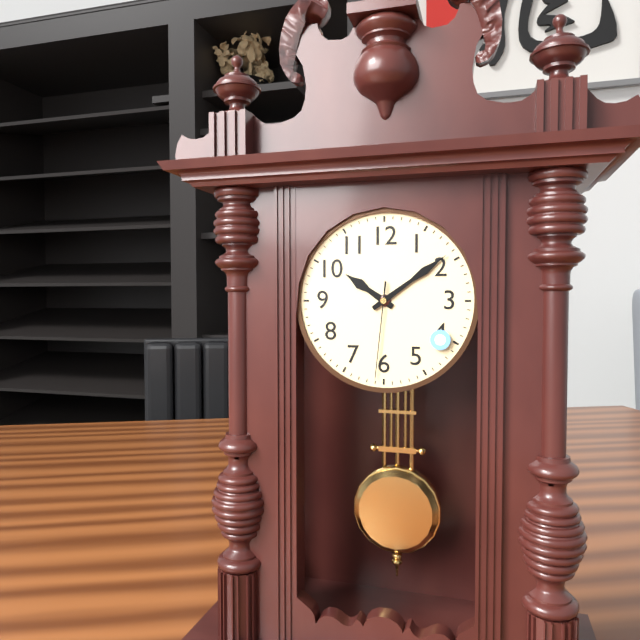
10.09.31
